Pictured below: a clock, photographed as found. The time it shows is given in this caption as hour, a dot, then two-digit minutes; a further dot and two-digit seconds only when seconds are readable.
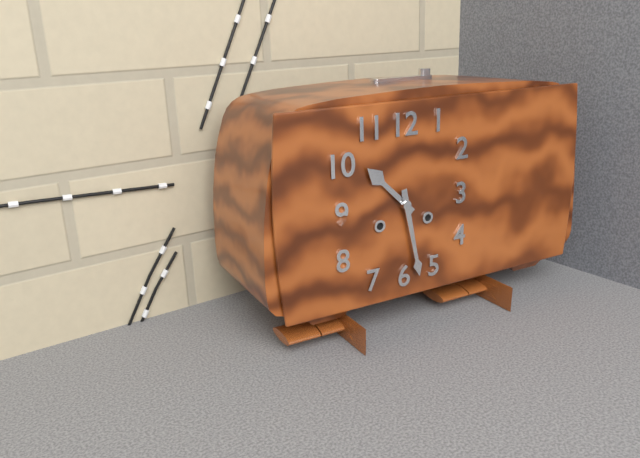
10.28
